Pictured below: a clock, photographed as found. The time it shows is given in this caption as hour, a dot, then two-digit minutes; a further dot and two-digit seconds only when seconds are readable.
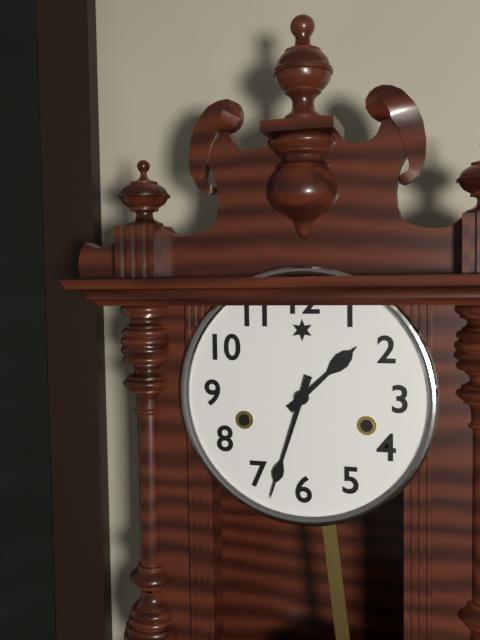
1.33
